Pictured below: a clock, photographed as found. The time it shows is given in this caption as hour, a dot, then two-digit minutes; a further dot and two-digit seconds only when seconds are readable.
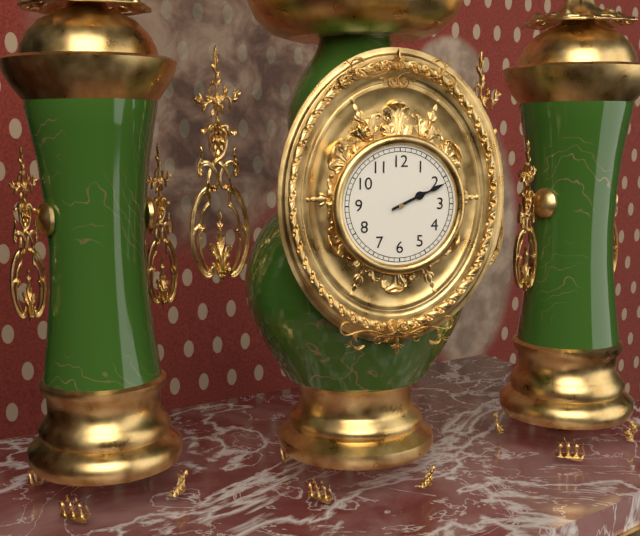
2.11
